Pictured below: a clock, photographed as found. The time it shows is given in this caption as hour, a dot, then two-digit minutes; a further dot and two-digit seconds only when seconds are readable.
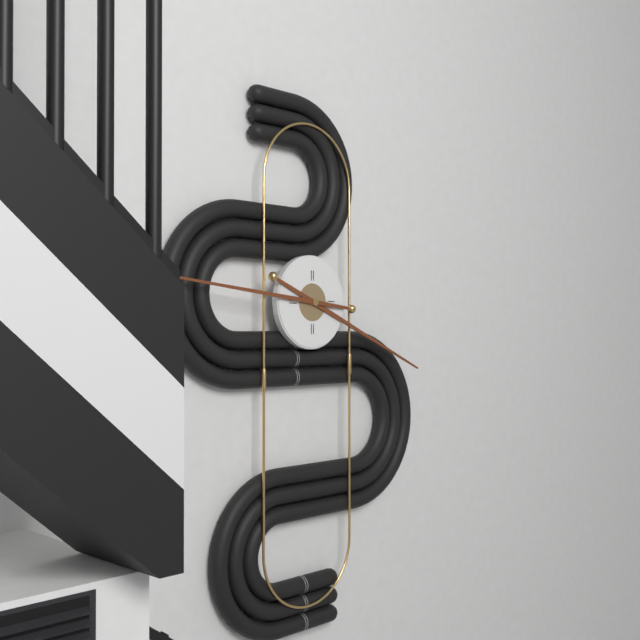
3.46
